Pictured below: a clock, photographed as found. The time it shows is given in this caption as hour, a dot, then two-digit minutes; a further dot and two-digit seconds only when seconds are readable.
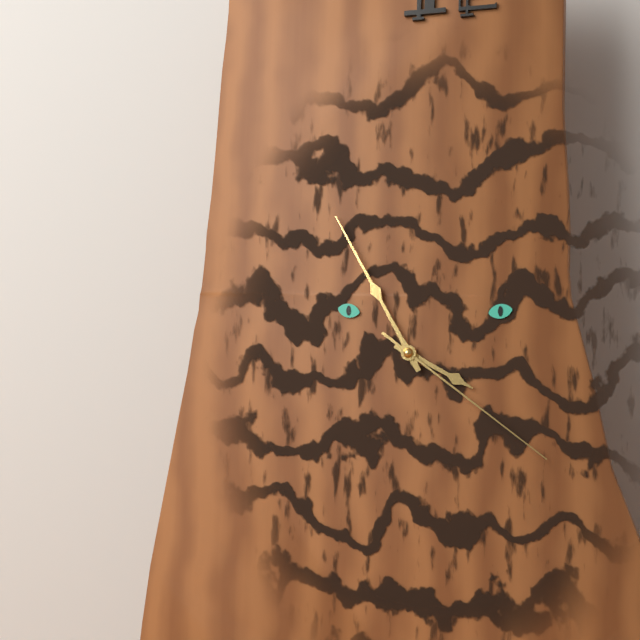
3.55.21
